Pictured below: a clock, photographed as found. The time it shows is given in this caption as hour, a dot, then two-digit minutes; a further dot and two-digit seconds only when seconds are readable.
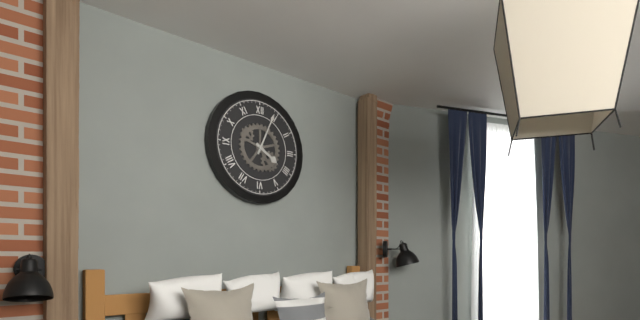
4.04
